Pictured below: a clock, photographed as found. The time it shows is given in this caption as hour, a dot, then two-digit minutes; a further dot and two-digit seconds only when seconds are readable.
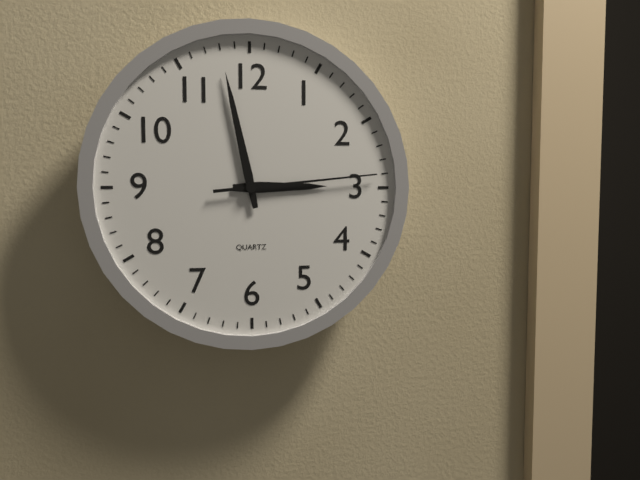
2.58.14
